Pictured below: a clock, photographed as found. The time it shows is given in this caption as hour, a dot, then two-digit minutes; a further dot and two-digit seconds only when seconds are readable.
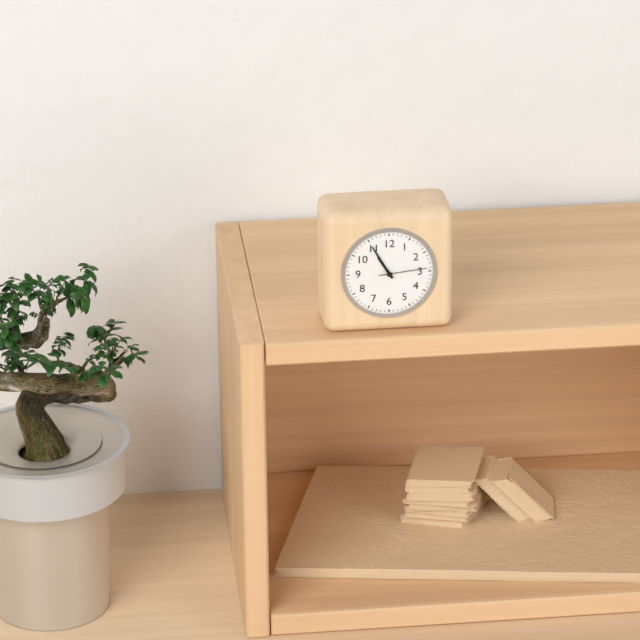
10.55
